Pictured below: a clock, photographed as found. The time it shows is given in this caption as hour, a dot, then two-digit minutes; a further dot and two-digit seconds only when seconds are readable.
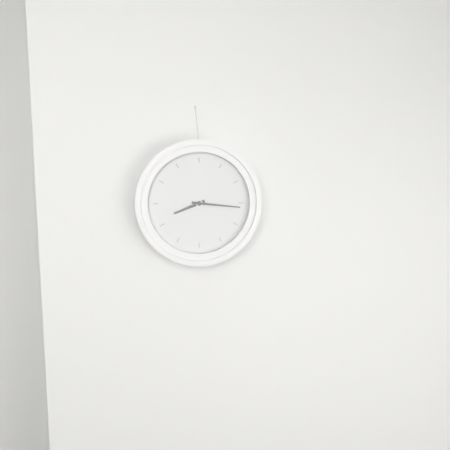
8.16
